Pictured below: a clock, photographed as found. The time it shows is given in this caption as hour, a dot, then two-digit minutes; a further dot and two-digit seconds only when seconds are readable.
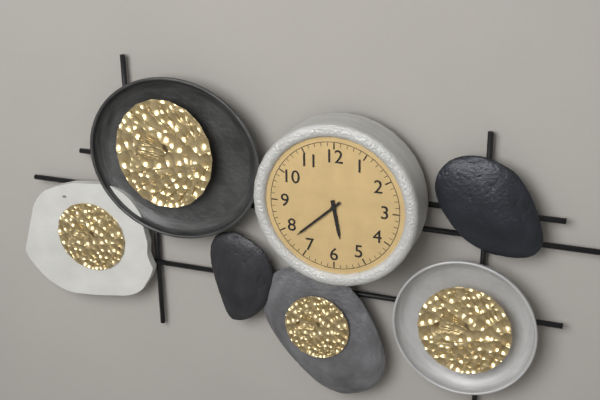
5.38
